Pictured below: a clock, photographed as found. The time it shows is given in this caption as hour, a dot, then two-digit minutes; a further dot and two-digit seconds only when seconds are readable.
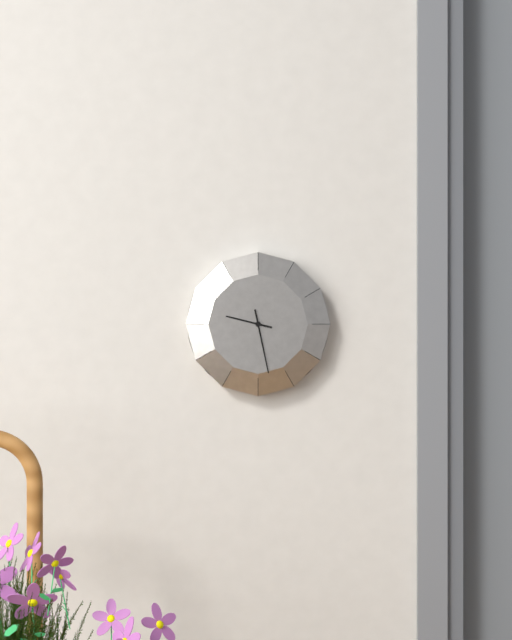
9.28
